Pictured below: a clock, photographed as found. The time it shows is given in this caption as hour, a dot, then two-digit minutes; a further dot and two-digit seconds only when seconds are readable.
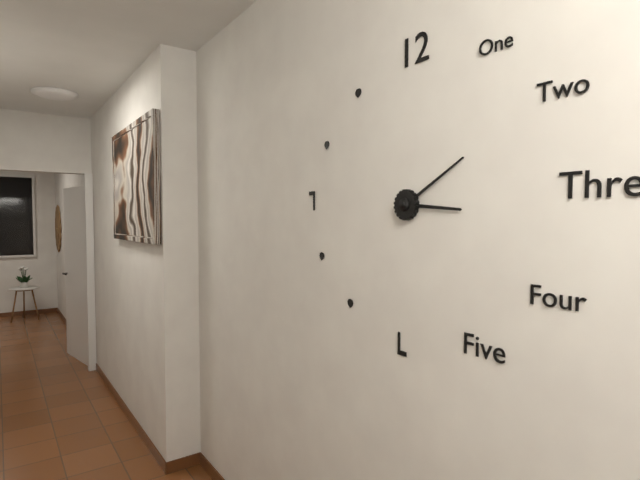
3.10
